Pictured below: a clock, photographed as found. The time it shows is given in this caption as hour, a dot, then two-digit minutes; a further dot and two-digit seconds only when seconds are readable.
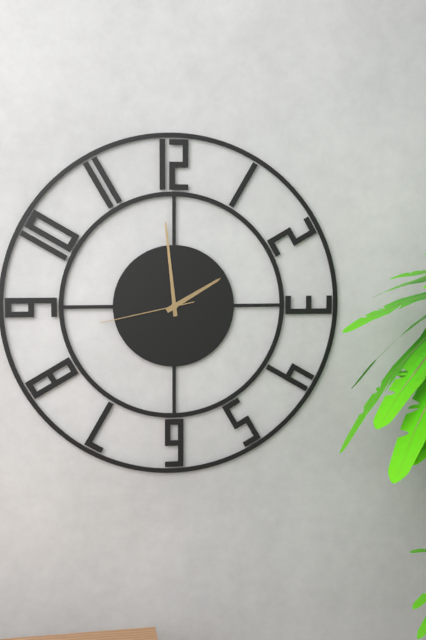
1.59.43
